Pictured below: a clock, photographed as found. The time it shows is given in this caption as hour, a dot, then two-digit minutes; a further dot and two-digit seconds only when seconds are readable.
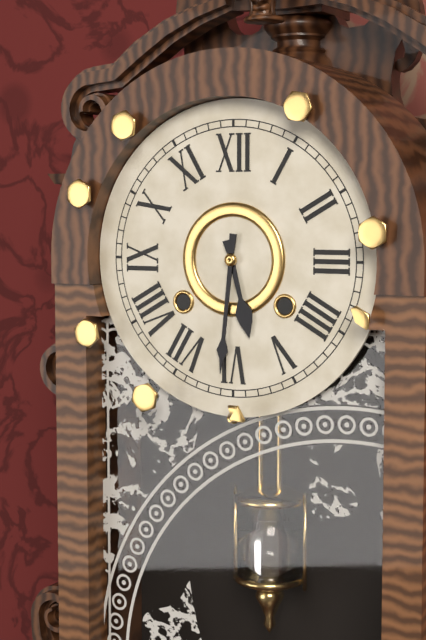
5.31
